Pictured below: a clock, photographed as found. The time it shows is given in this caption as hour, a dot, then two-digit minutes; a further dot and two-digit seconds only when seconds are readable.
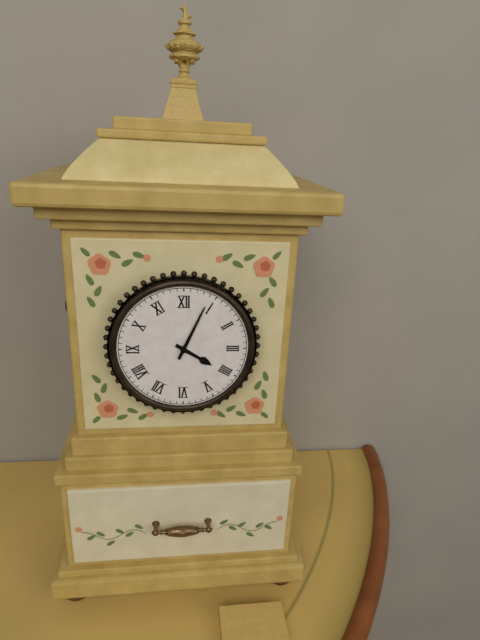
4.04
